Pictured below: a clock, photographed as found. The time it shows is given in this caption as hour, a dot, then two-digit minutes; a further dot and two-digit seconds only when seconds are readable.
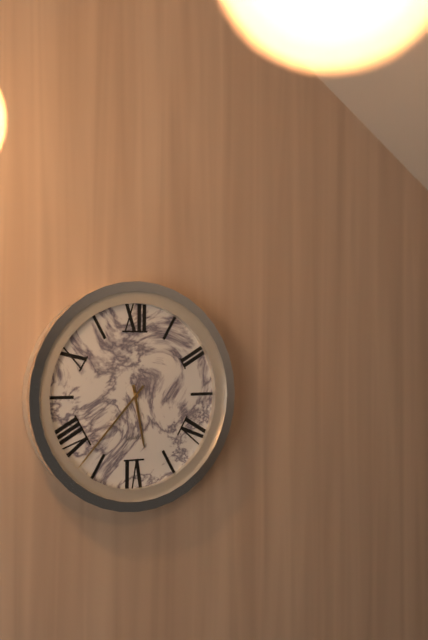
5.37
